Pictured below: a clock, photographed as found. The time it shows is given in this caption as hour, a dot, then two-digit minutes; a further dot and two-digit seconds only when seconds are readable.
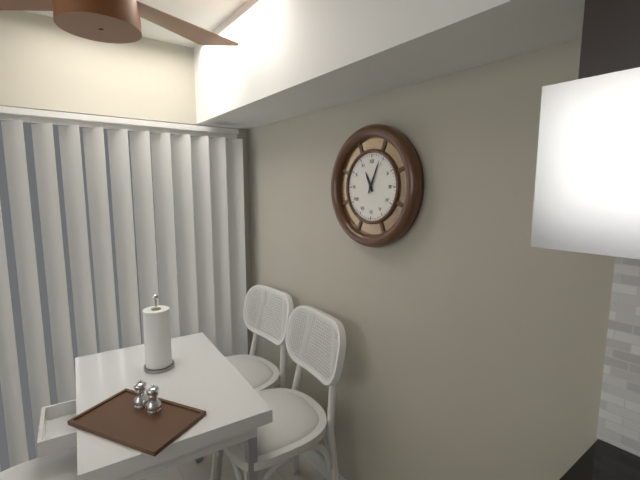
11.04
